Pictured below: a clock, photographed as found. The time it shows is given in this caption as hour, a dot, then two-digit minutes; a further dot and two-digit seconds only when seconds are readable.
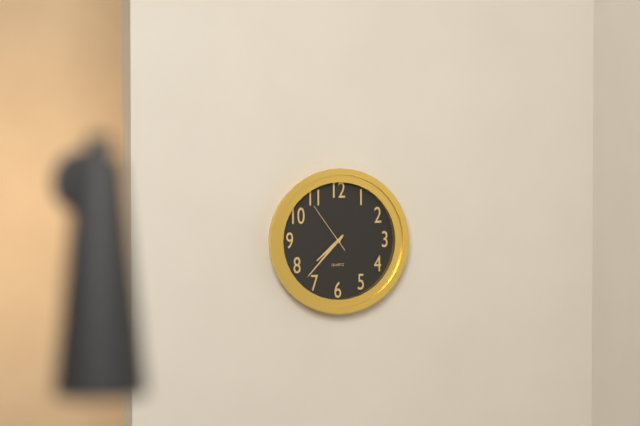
7.37.54
